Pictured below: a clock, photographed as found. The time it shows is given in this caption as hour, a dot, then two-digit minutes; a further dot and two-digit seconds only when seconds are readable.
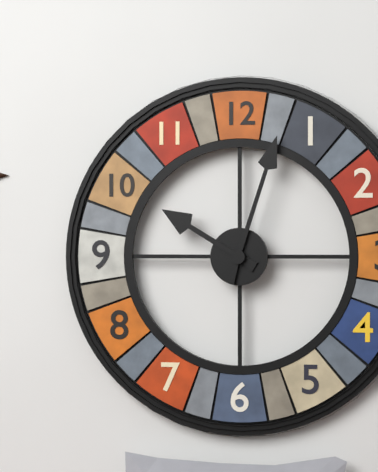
10.03
